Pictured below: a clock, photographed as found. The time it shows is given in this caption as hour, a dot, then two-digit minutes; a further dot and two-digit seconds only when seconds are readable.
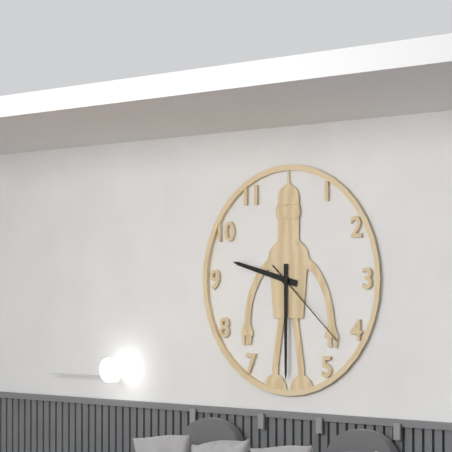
9.30.22
